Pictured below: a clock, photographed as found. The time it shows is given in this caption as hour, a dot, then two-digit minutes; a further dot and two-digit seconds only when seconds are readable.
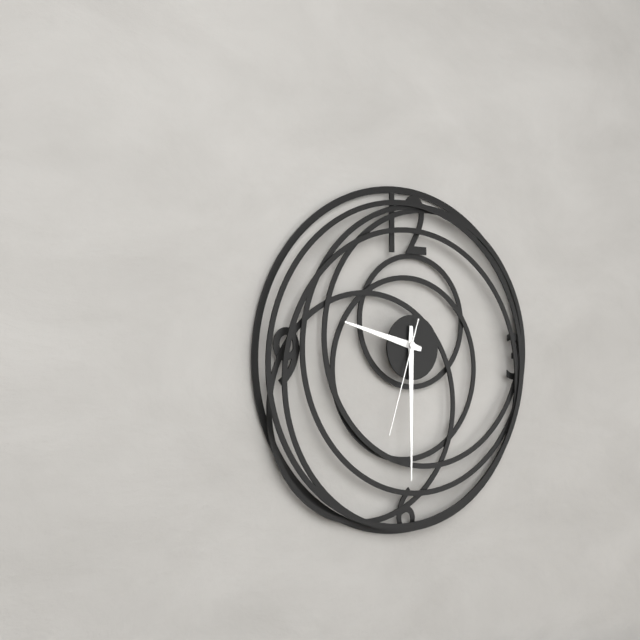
9.30.33
